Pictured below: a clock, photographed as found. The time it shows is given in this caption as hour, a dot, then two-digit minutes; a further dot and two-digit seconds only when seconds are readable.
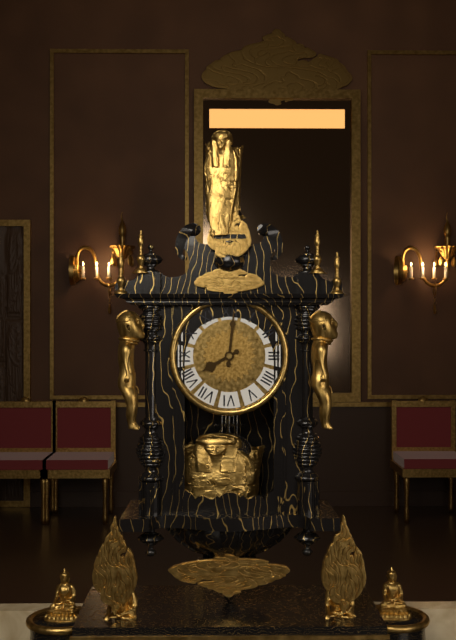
8.01
